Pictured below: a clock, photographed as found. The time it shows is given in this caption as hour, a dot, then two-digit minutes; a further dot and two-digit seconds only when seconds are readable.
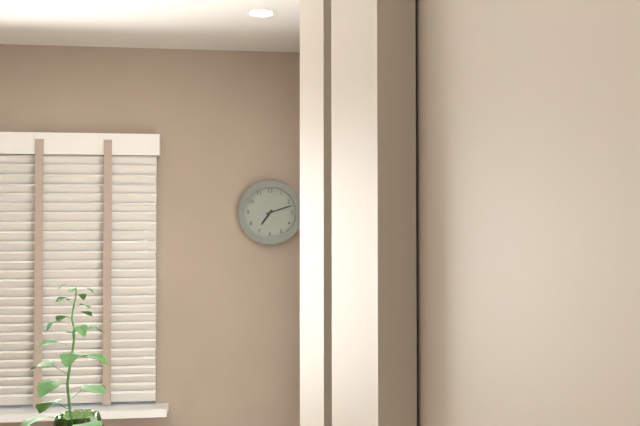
7.12
